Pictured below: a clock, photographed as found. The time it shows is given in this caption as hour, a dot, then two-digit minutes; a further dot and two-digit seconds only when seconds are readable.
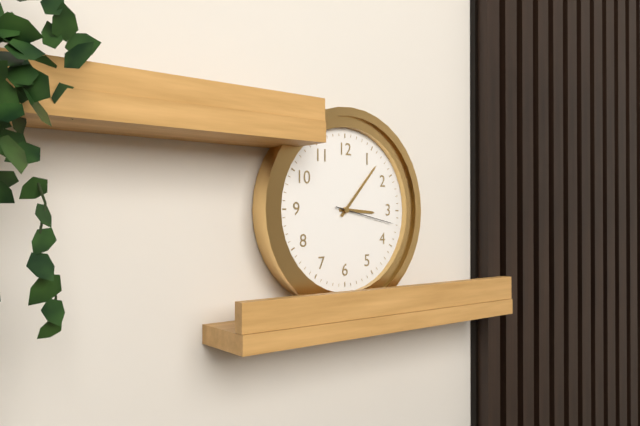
3.07.17
